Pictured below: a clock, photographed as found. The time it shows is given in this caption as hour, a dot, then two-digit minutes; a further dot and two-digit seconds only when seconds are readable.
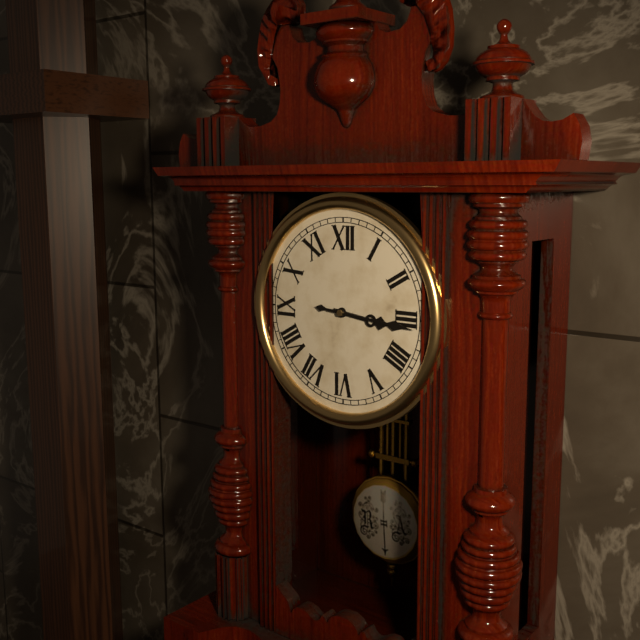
3.16
